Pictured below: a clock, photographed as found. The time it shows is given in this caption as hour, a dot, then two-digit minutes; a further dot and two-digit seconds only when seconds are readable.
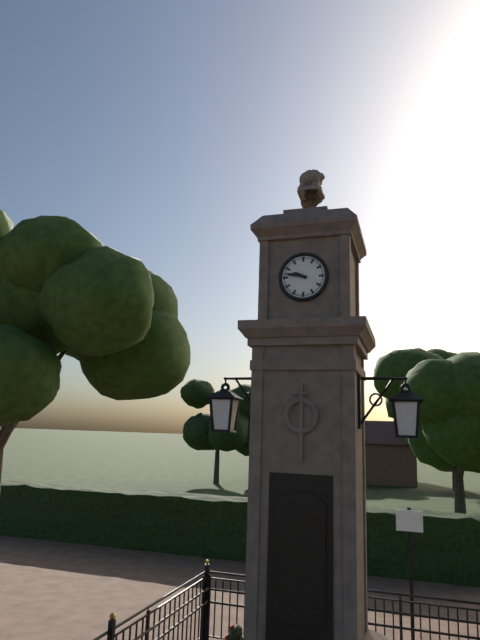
9.47
